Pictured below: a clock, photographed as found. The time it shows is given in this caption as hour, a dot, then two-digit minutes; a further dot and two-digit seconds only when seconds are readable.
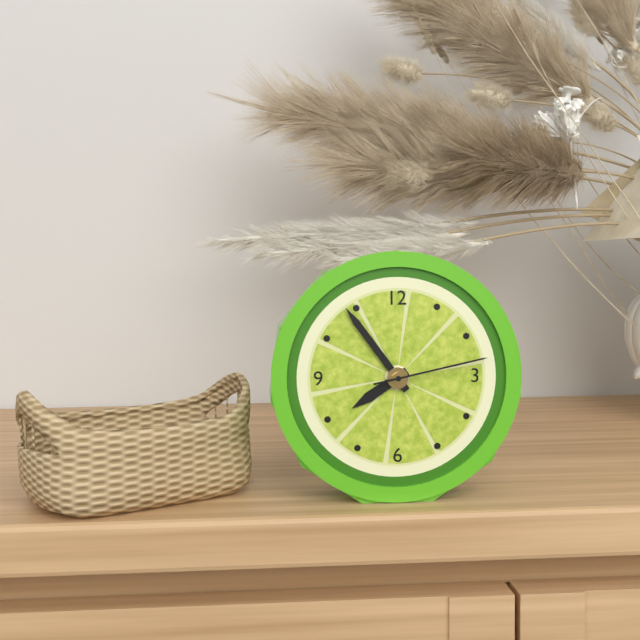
7.54.13
